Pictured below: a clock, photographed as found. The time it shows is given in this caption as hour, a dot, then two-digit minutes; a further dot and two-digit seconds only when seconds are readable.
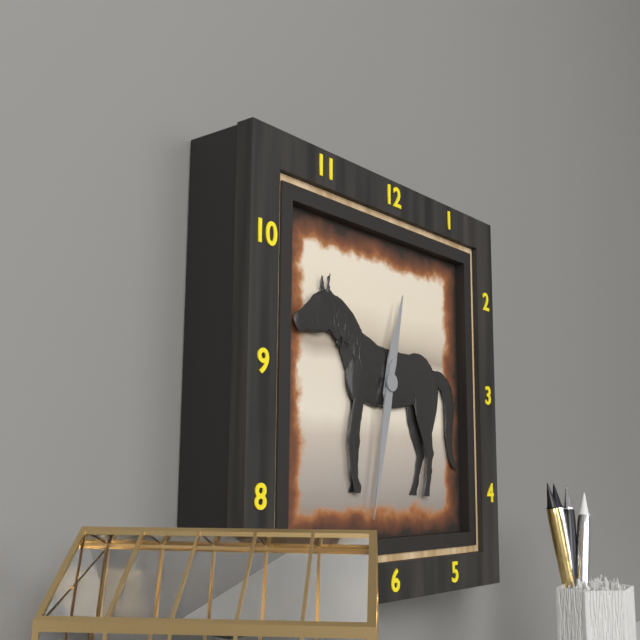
12.32
